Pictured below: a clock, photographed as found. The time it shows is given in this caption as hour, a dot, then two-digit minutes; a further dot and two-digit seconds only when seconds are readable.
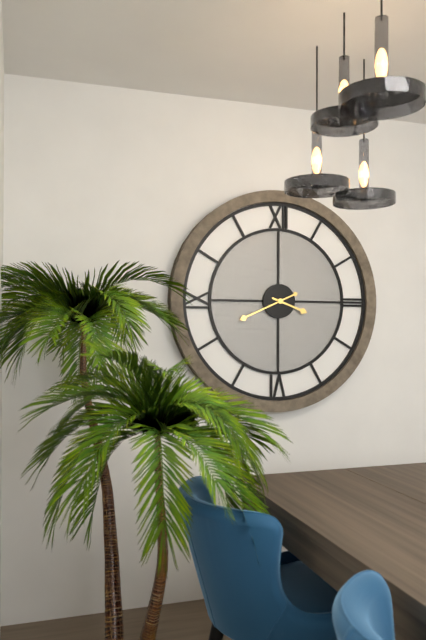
3.41
